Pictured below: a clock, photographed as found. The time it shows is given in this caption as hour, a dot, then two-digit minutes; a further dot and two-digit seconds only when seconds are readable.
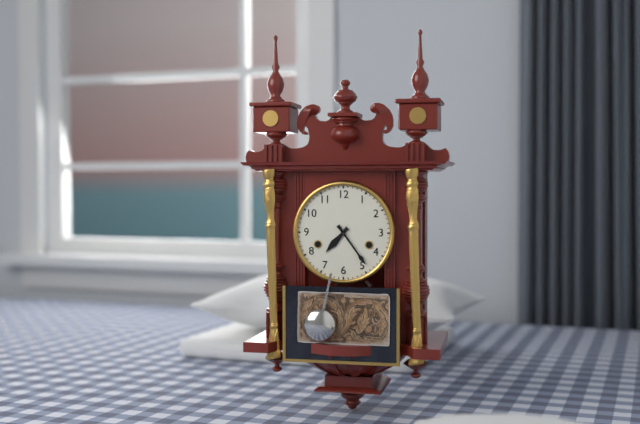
7.24
